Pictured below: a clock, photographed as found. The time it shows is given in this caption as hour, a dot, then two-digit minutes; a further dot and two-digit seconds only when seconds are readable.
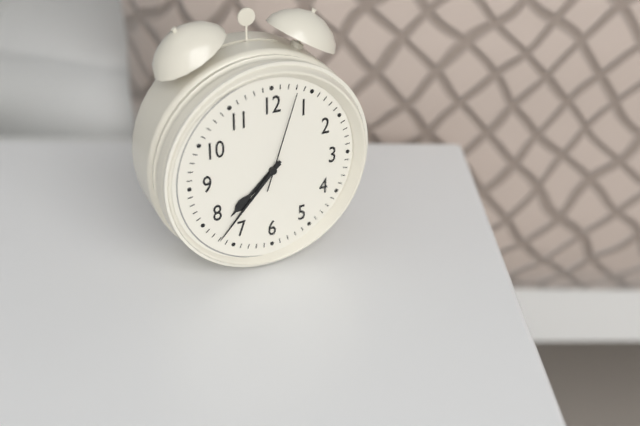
7.37.03
